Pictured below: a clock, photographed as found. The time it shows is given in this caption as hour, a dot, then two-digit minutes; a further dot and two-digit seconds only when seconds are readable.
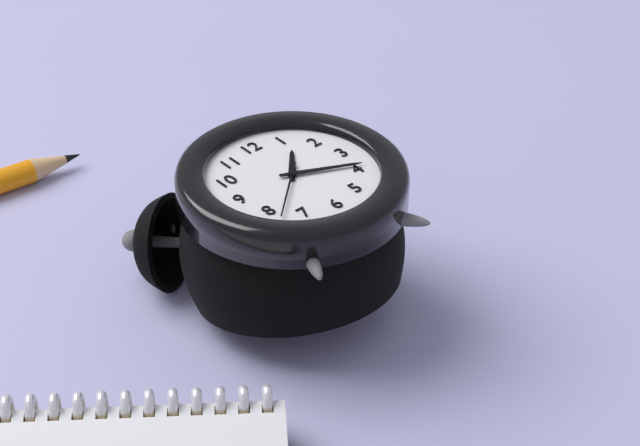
1.19.38
